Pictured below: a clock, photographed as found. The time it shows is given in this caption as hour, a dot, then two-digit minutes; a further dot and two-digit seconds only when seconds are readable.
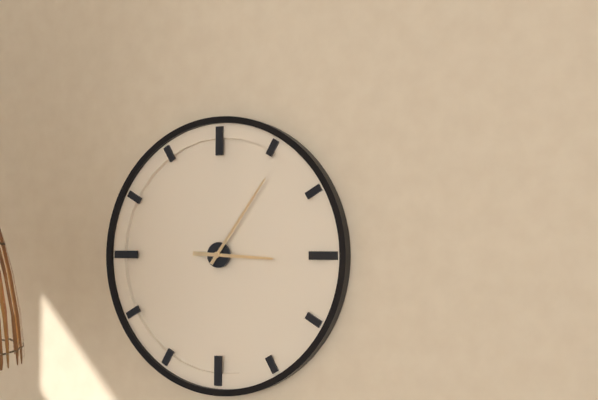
3.06
